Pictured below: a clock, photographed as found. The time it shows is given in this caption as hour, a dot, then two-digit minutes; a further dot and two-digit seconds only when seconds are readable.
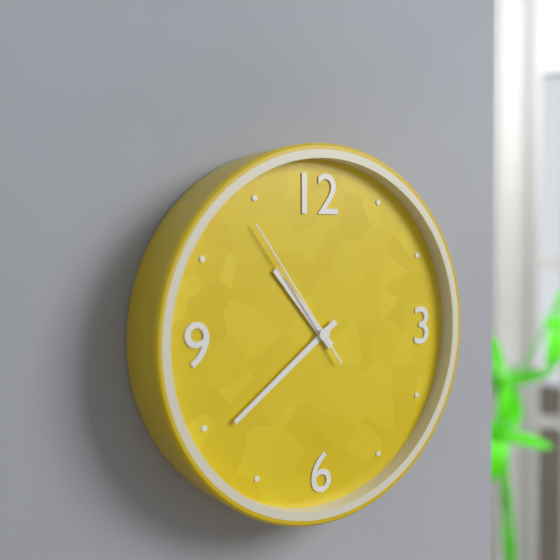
10.39.54
